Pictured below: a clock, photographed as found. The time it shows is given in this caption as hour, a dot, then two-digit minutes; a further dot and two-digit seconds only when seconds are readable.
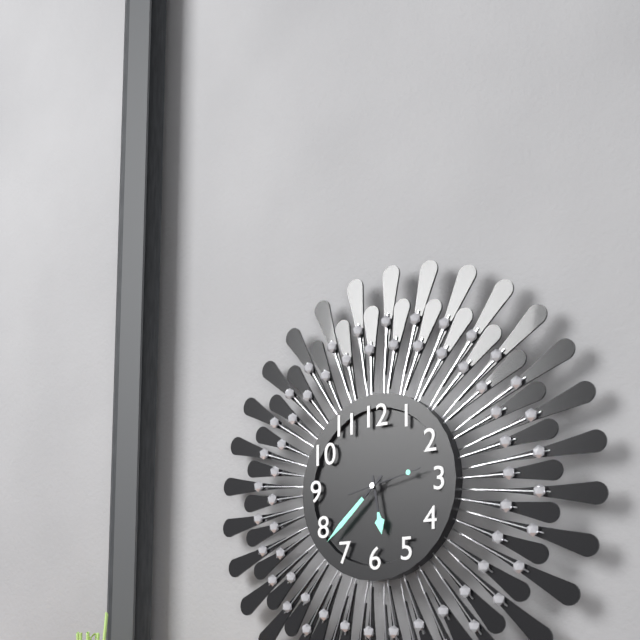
5.38.13
